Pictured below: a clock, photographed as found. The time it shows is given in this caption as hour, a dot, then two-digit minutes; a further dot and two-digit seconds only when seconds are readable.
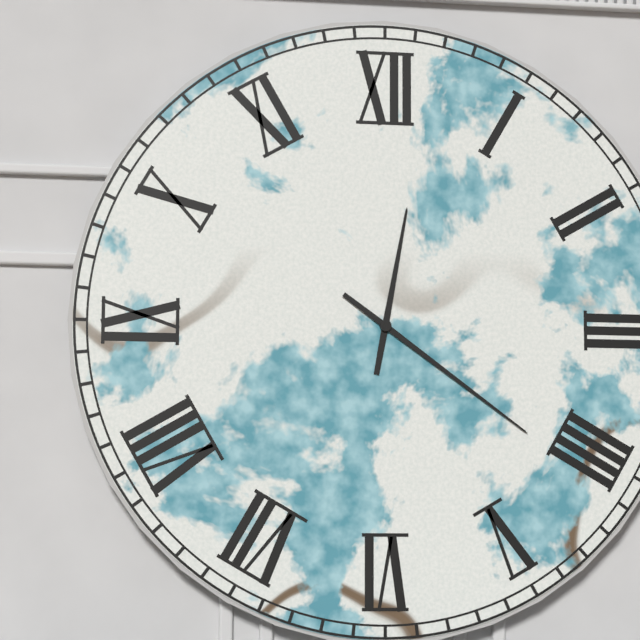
12.21
